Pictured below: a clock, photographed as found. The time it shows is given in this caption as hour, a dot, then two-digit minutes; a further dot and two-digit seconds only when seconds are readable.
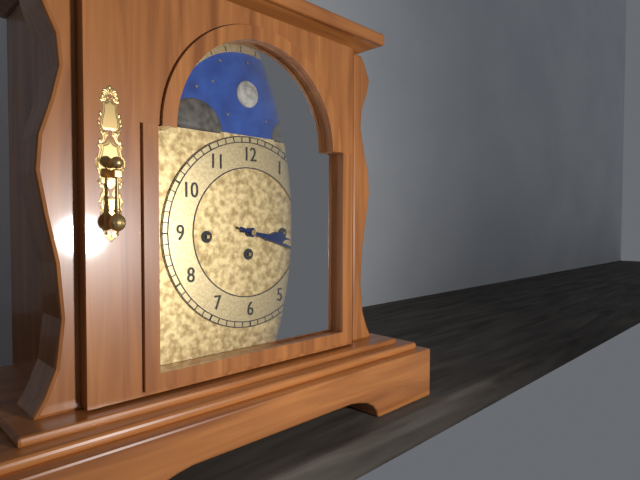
3.18
